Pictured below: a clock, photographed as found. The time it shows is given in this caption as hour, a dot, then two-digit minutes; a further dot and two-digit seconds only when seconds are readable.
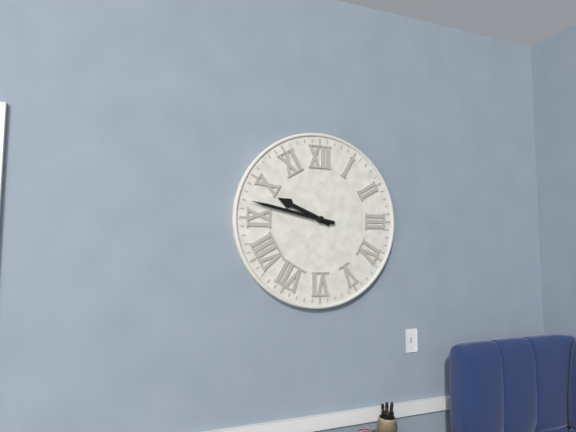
9.47
